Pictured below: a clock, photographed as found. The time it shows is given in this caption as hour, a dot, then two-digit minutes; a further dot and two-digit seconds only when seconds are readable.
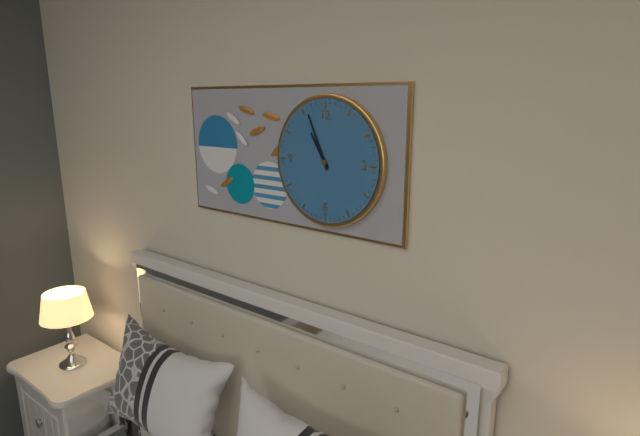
10.56
